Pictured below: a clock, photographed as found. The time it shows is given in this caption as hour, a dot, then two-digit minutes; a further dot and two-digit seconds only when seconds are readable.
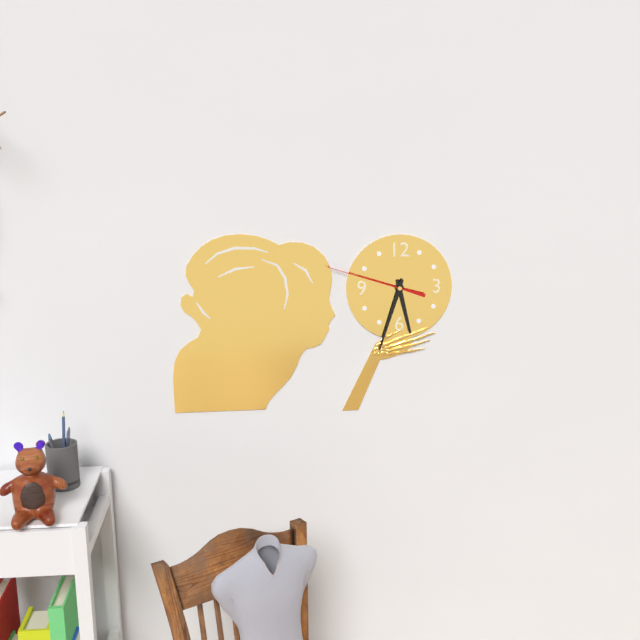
5.33.48
